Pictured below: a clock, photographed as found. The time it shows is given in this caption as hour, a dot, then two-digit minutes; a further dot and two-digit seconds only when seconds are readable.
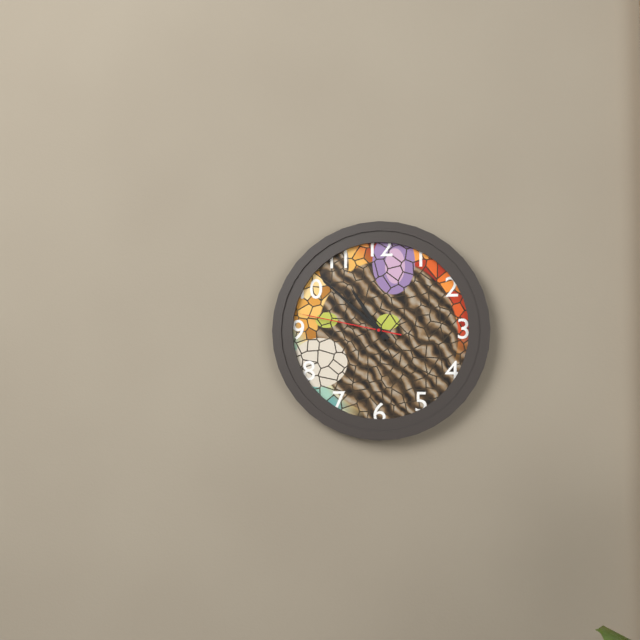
10.52.47
